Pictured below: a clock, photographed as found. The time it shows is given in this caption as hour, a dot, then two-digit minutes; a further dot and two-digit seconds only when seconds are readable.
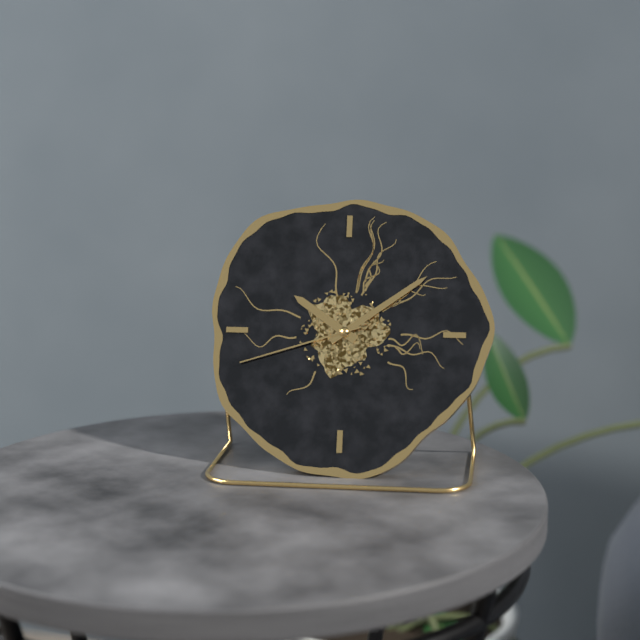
10.09.42
